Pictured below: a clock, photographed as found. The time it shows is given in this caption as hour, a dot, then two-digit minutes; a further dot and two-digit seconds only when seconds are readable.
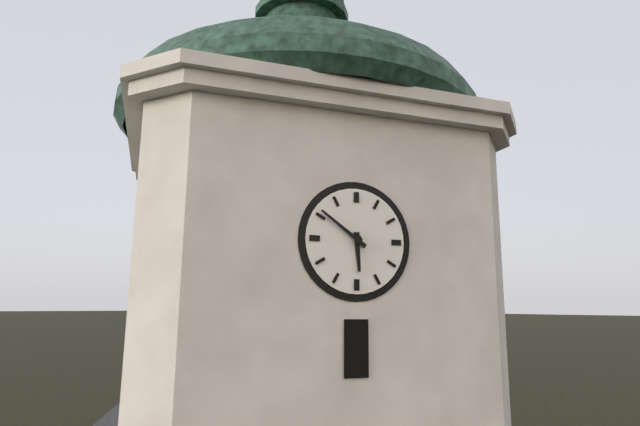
5.51
